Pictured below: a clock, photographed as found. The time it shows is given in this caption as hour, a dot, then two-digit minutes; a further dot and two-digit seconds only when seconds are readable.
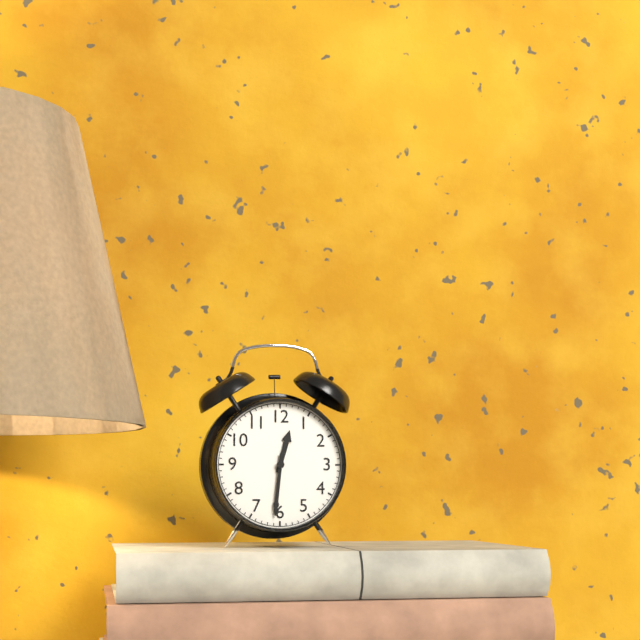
12.31
